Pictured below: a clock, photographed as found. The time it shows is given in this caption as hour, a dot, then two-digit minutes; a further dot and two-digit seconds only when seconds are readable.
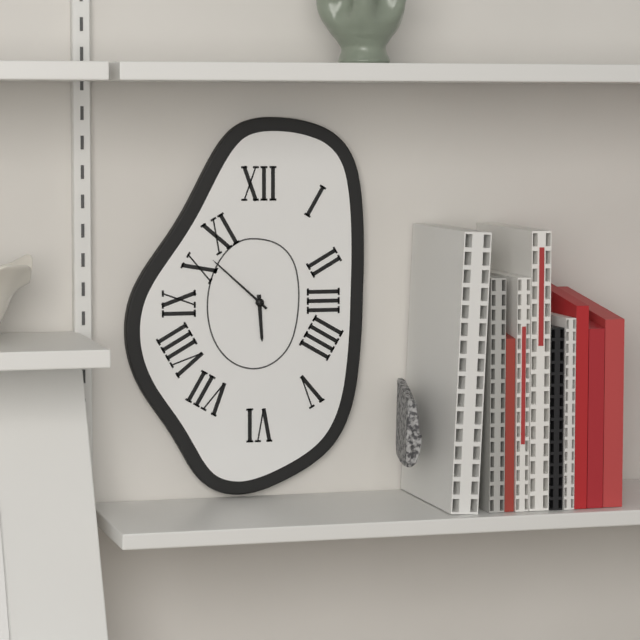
5.52
